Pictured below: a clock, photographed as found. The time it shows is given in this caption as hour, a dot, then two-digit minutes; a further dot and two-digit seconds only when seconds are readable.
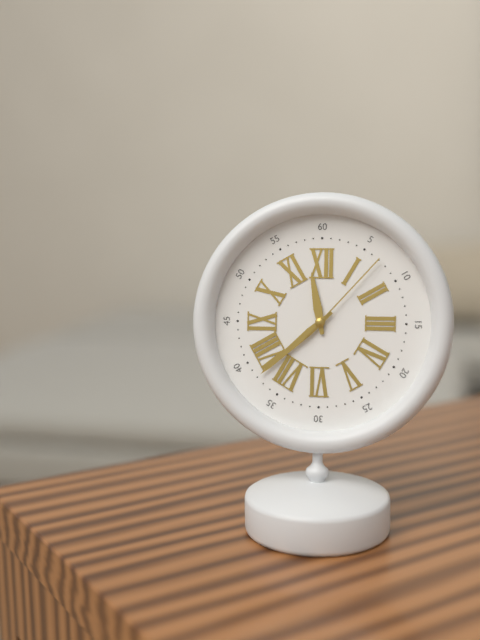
11.38.07
